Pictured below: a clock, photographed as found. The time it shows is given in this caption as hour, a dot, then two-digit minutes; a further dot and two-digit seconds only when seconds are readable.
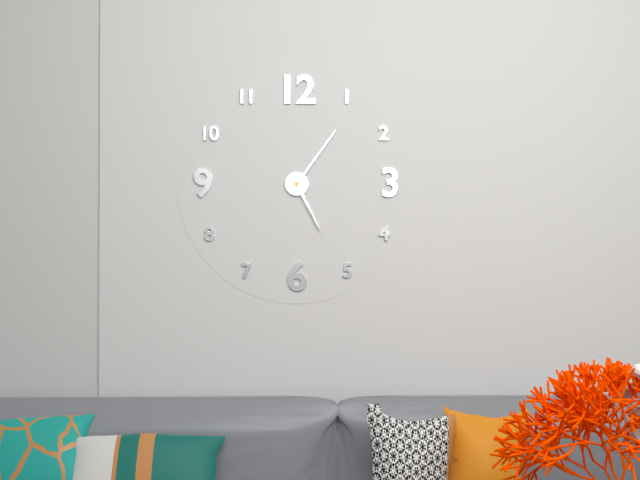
5.06
